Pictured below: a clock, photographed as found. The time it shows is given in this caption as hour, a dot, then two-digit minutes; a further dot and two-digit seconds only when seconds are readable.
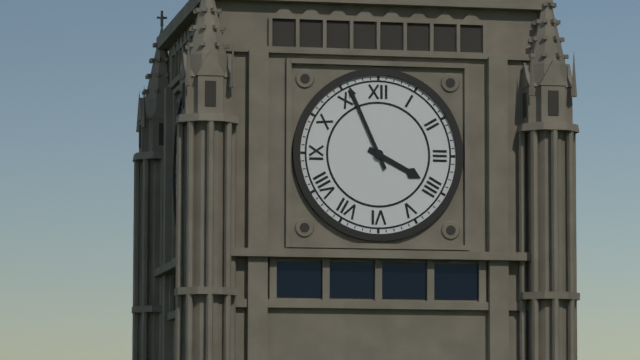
3.56
